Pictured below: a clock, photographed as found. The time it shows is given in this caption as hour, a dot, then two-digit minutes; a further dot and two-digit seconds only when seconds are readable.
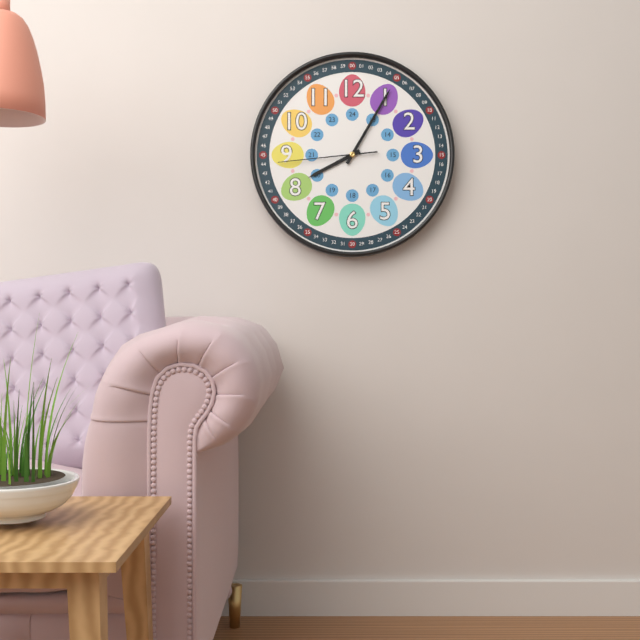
8.05.44
